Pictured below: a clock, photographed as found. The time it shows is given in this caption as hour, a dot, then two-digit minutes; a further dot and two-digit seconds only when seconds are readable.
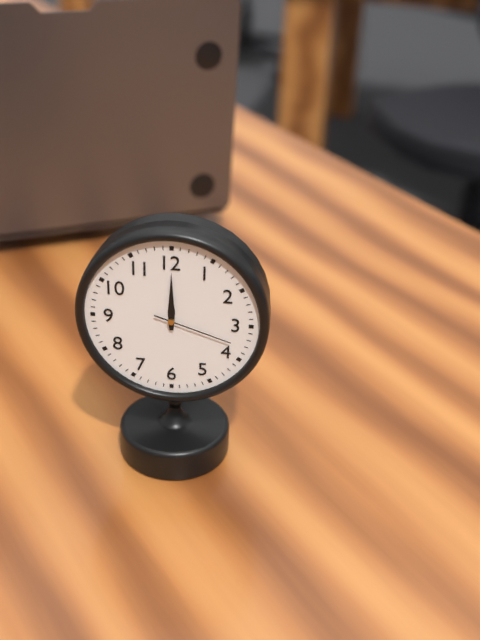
12.00.18
